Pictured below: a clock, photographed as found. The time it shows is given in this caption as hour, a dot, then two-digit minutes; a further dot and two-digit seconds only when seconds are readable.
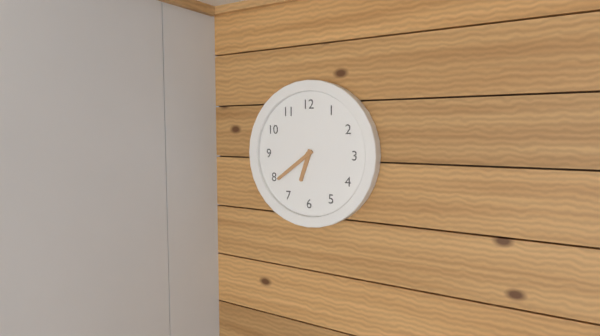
6.39
